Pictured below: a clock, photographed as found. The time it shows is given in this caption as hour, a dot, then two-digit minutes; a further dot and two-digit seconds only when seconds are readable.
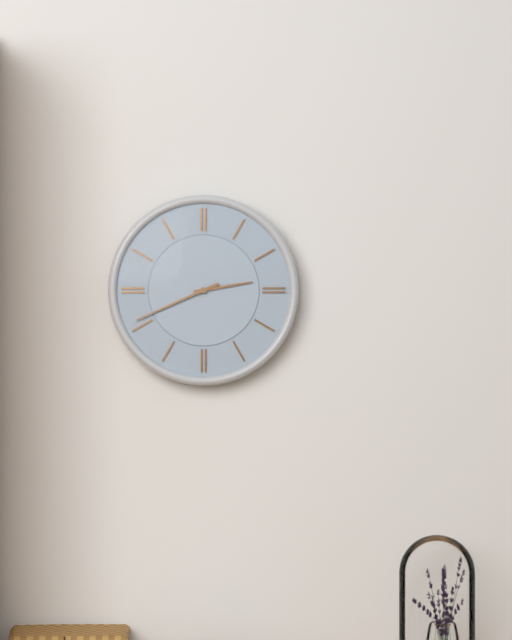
2.41
